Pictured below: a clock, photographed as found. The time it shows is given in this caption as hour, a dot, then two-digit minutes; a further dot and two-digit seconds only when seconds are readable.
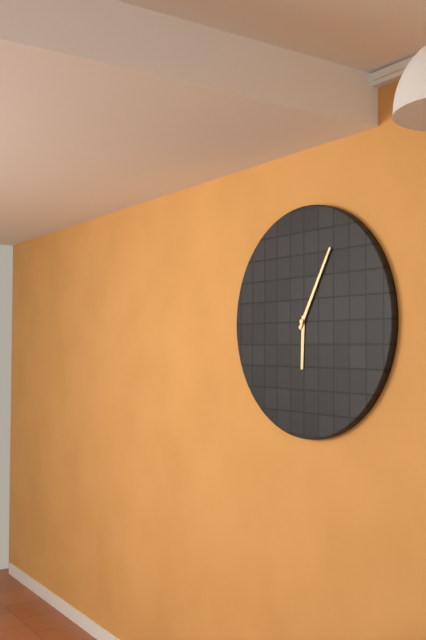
6.05
